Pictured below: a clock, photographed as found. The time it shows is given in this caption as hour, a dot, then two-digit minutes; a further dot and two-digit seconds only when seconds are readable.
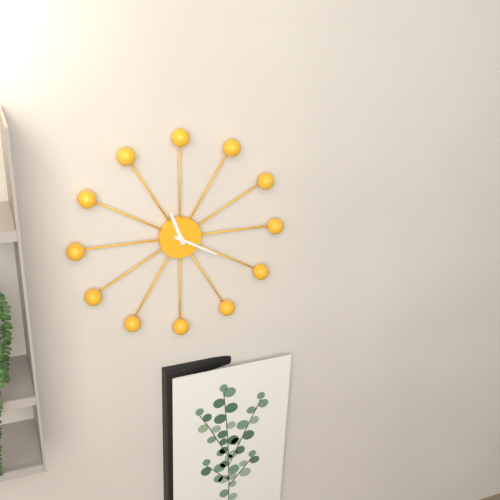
11.20
